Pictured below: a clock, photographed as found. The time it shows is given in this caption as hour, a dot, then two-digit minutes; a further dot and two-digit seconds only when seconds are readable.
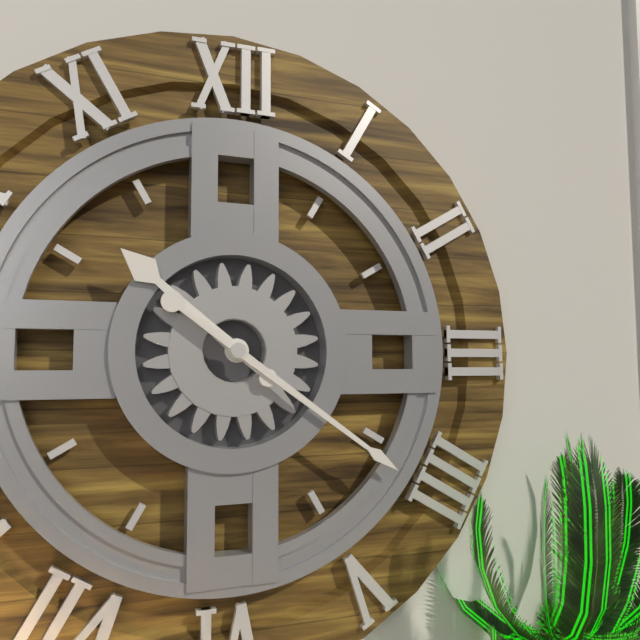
10.21
